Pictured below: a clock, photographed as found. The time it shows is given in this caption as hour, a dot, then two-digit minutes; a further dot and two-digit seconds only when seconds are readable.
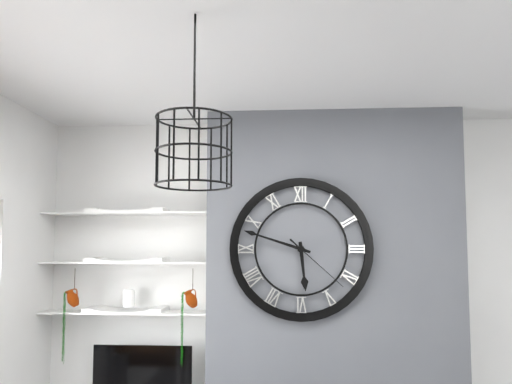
5.48.22
